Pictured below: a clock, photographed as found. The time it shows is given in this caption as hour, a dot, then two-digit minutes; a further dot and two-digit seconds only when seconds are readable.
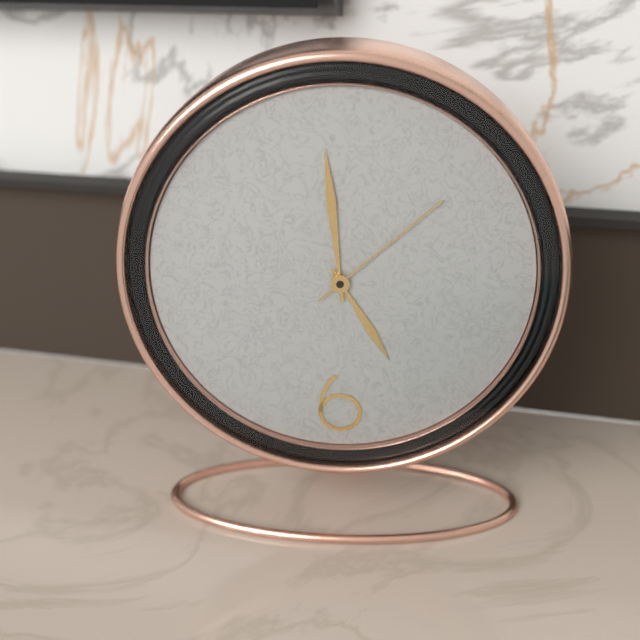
4.59.08
